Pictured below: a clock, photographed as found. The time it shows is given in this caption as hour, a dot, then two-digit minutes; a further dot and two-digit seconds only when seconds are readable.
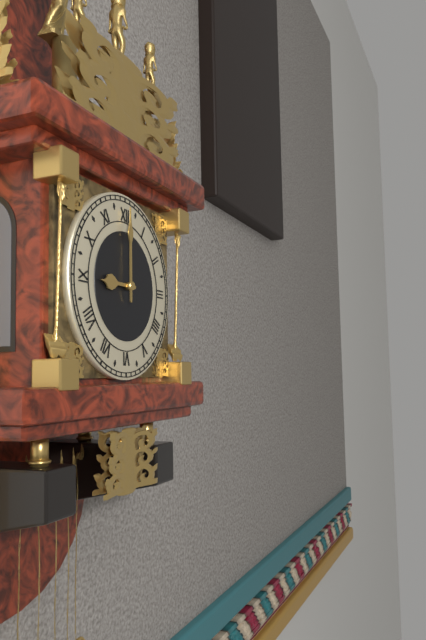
9.00
